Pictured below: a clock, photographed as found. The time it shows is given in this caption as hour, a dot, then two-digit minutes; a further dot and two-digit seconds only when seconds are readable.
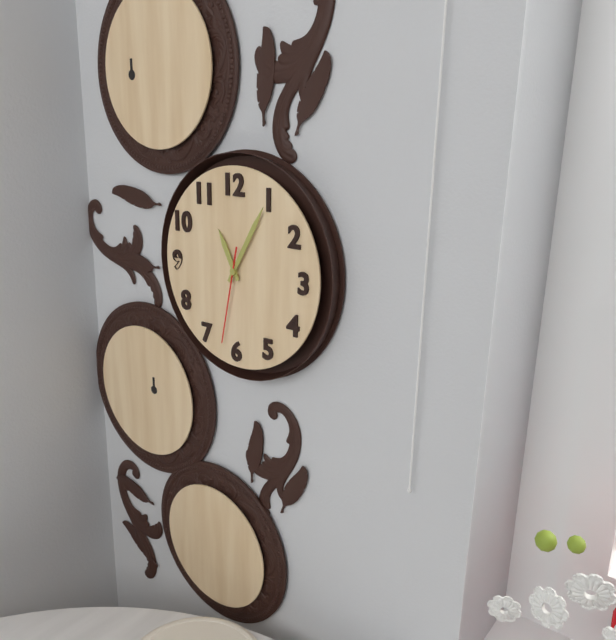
11.05.32
